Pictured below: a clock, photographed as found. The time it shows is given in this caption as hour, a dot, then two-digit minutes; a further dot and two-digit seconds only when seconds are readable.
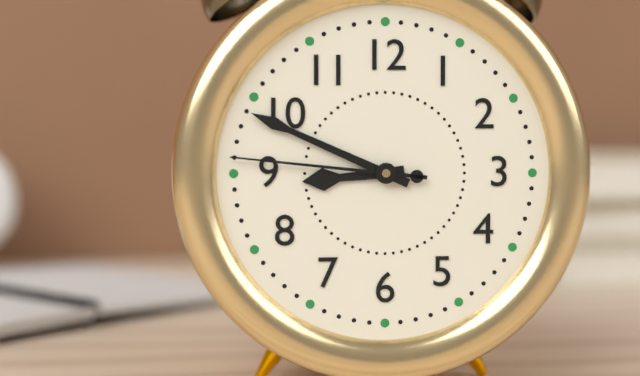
8.49.46
